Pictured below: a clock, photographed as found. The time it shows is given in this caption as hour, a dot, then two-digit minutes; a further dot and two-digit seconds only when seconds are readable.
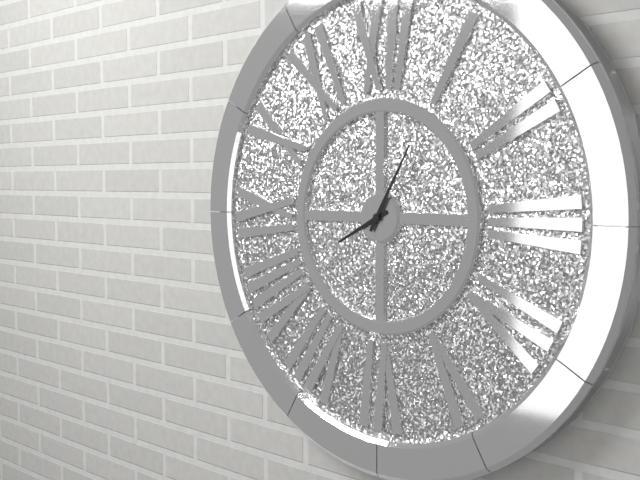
8.05
